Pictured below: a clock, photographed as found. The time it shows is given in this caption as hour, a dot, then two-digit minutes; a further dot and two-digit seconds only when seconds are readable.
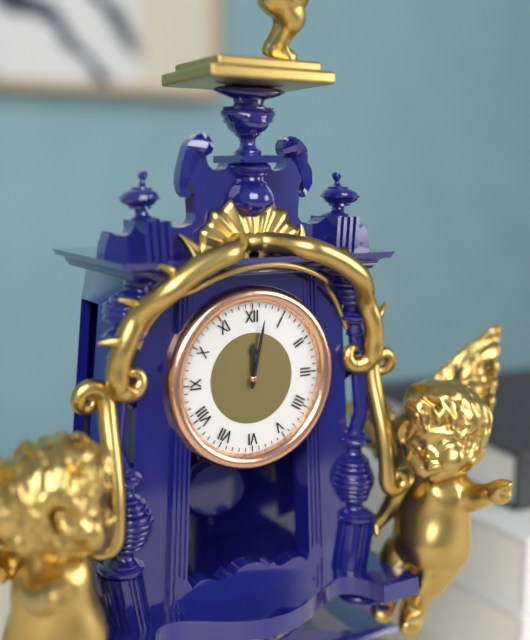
12.02
